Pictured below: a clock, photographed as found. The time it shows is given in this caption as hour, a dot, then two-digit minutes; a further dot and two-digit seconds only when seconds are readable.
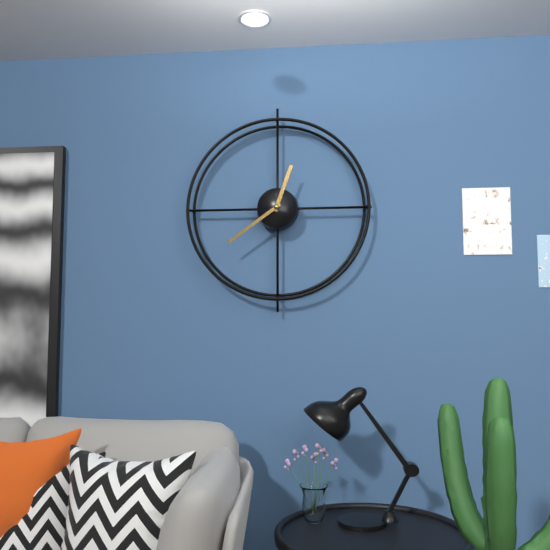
12.39
